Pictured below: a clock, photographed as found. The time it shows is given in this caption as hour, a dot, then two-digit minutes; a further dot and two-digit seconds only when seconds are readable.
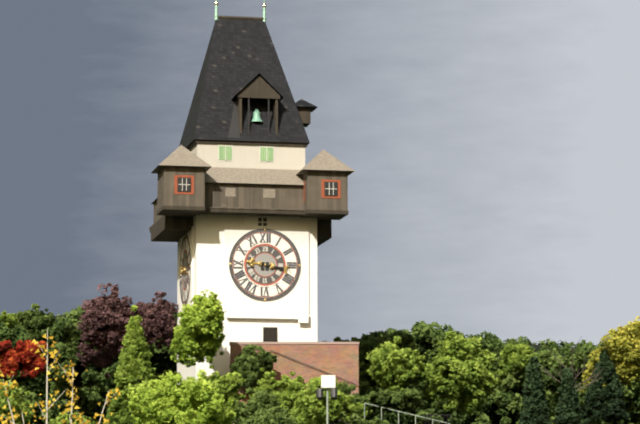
9.17
